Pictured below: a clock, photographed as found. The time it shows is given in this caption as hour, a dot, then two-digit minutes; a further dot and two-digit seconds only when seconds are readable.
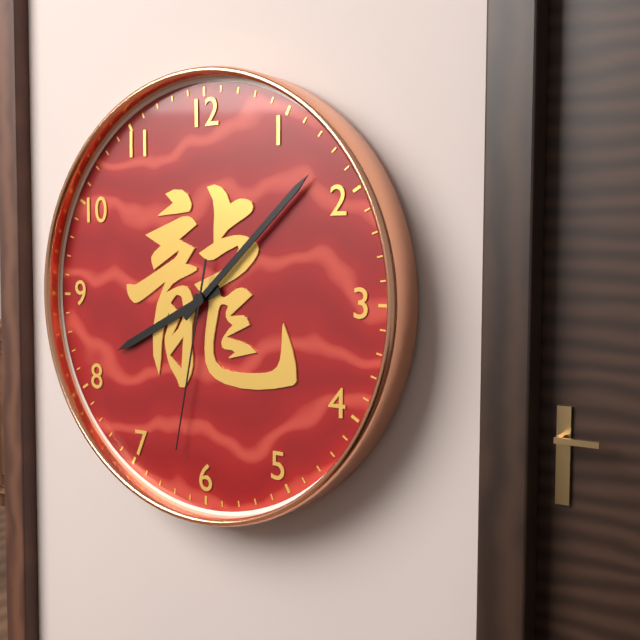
8.08.32
